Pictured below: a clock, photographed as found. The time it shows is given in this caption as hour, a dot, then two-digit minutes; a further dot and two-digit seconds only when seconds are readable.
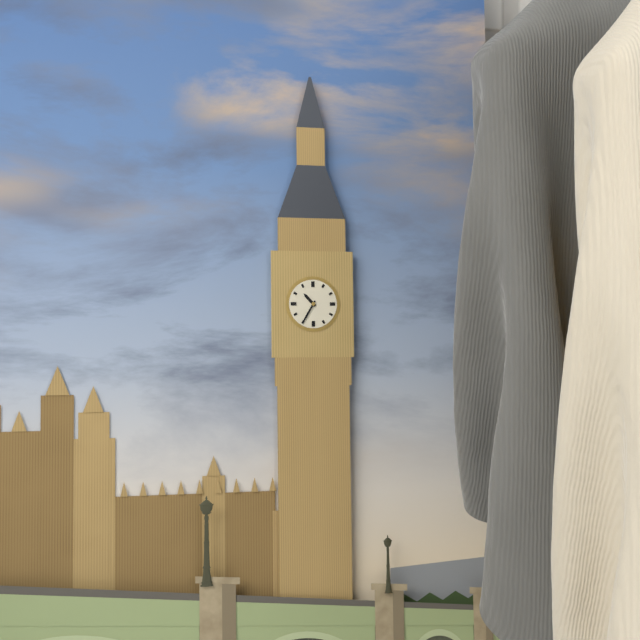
10.35
